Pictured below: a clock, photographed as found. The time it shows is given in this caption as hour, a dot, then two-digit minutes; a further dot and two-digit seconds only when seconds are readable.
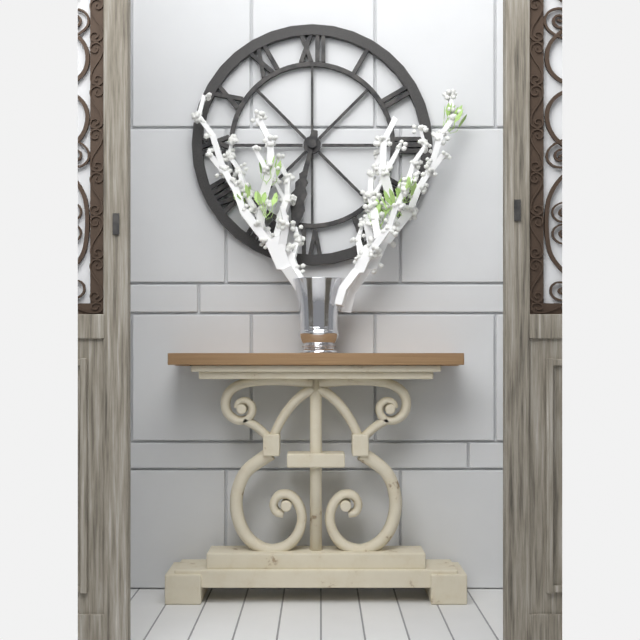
6.32
